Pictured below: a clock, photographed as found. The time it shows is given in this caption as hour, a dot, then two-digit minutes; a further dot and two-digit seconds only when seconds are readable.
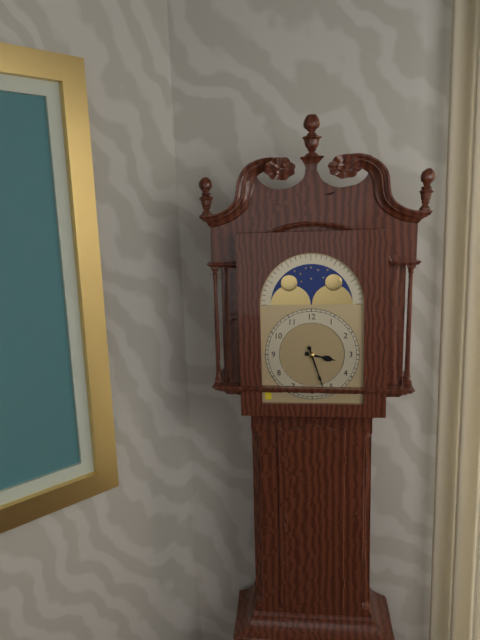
3.27
